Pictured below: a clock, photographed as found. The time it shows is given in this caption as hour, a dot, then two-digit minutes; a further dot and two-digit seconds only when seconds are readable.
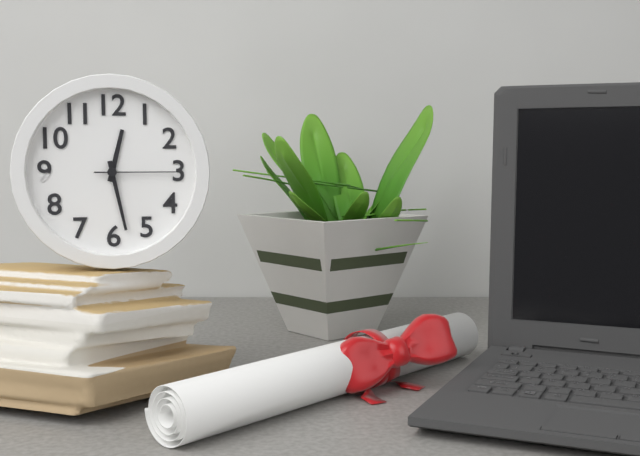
12.28.15
